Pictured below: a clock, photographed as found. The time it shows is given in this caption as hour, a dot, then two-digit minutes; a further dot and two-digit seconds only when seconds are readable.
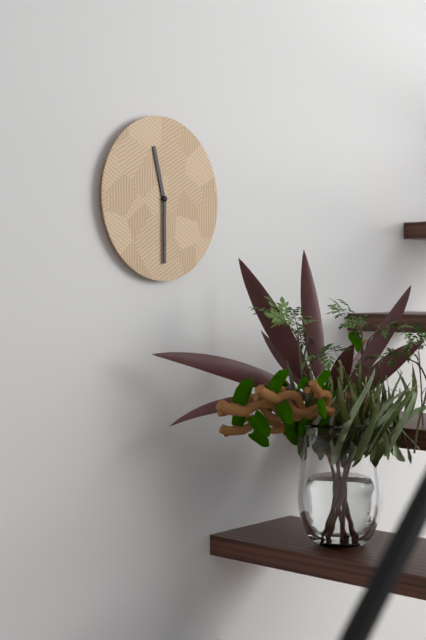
11.30
